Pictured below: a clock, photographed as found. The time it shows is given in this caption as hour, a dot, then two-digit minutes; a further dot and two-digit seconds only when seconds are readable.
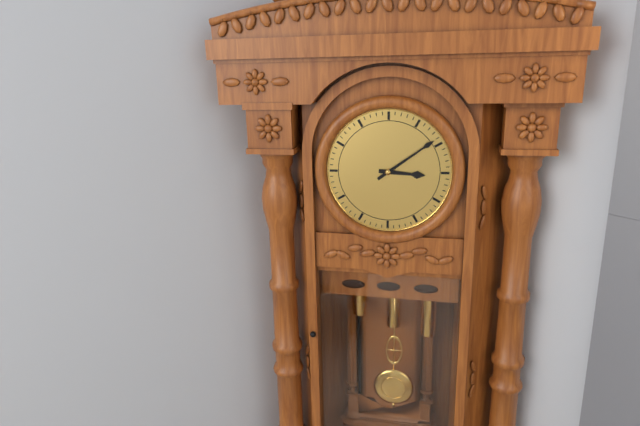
3.09
